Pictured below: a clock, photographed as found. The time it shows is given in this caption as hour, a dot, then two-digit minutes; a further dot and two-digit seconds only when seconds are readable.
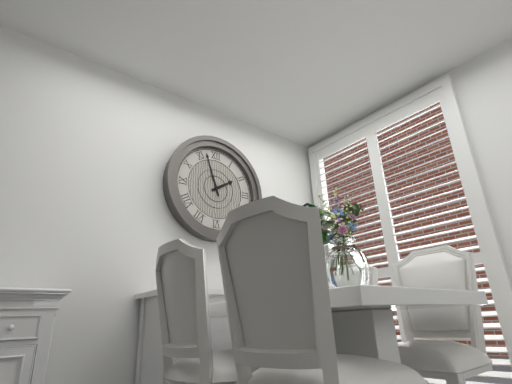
1.57
